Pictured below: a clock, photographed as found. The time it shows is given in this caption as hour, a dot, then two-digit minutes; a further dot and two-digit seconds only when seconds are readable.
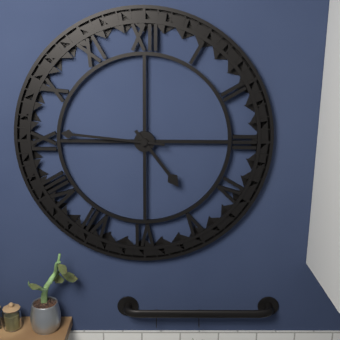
4.46
